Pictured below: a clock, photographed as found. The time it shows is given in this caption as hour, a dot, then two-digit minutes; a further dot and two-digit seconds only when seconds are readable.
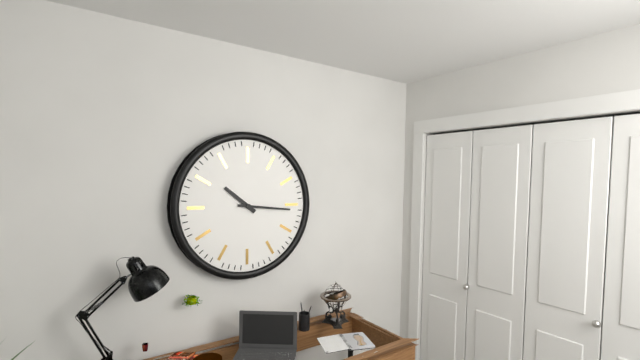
10.16
